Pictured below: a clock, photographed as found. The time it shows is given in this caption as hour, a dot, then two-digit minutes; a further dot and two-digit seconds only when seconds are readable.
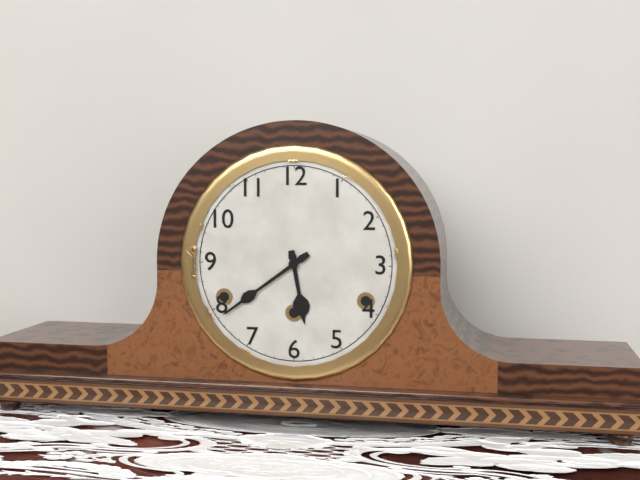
5.39
